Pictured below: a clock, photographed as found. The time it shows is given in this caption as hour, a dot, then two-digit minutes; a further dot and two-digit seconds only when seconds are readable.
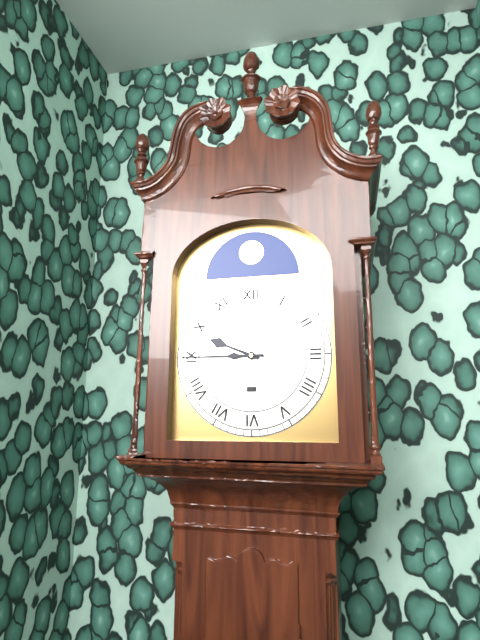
9.45
